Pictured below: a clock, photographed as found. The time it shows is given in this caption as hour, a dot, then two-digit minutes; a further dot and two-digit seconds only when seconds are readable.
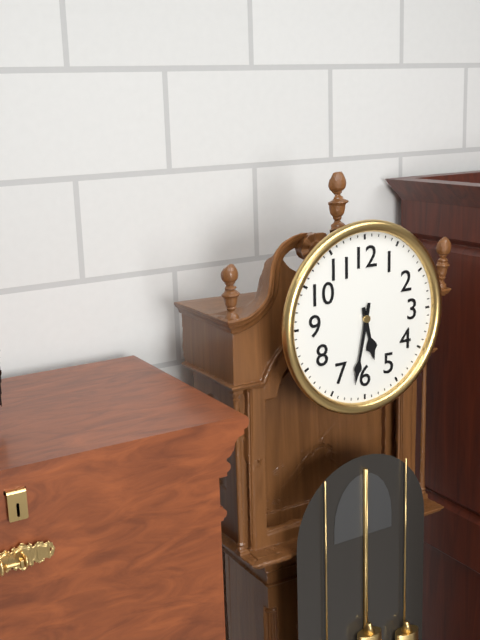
5.32
